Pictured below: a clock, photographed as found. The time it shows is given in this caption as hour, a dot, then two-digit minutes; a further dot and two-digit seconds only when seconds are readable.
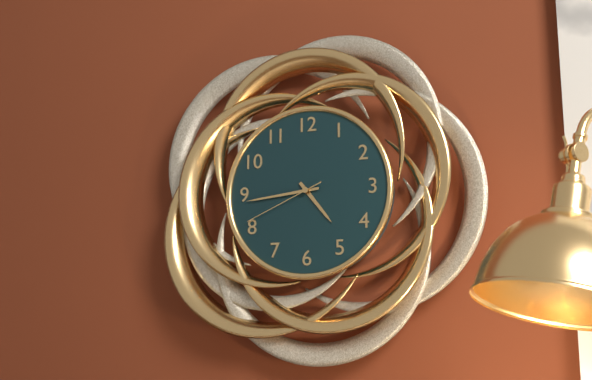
4.44.41
